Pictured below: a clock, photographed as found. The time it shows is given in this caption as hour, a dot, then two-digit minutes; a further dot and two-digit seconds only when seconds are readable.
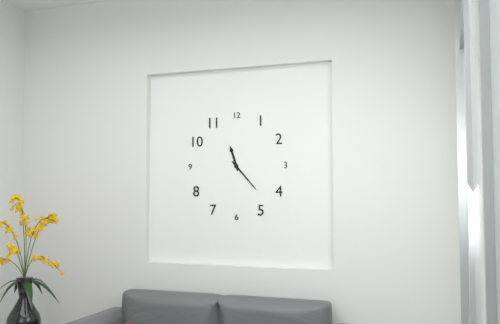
11.23
